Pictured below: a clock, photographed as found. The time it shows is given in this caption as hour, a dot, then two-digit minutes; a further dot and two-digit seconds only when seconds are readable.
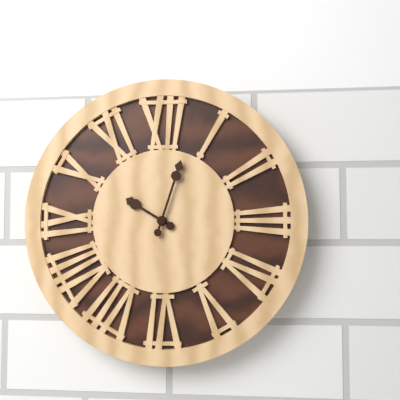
10.03
